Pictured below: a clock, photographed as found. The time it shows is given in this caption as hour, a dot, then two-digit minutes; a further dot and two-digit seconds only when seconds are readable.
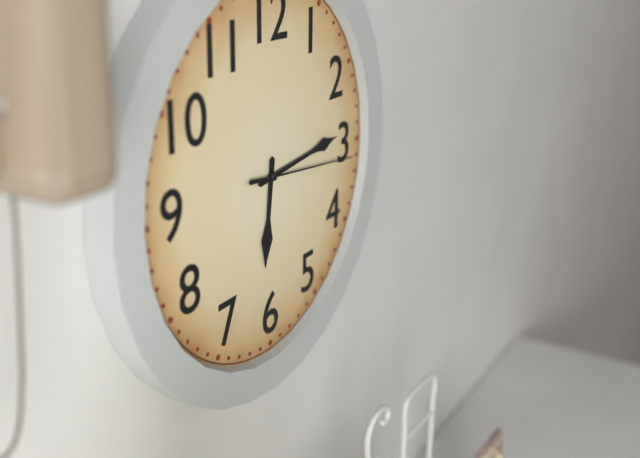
6.14.16
